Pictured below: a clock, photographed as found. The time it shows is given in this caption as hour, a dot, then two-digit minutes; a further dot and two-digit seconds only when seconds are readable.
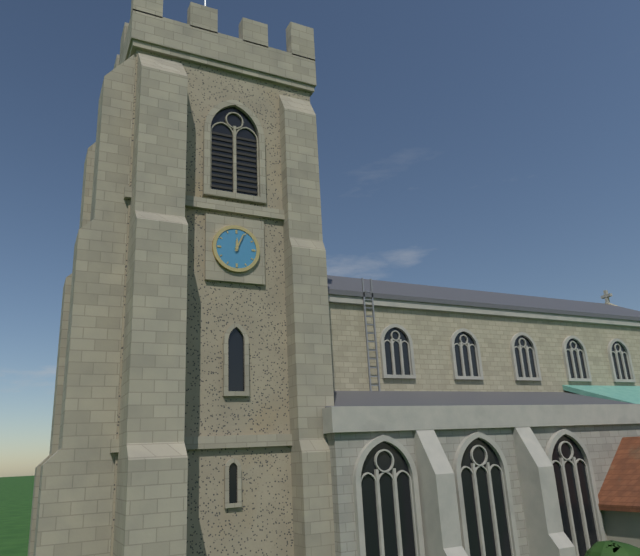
12.04
